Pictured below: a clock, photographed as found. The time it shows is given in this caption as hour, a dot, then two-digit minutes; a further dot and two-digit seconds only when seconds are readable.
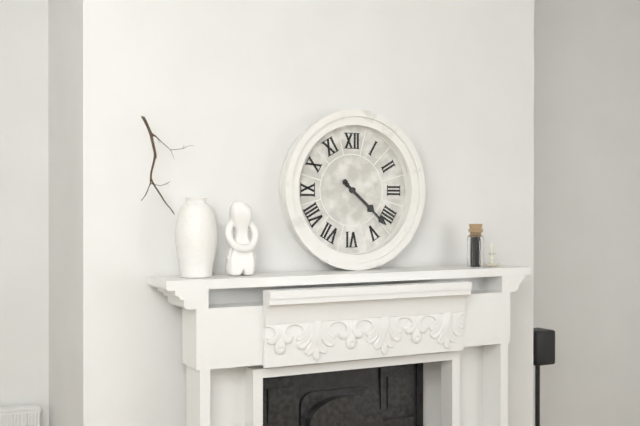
4.22
